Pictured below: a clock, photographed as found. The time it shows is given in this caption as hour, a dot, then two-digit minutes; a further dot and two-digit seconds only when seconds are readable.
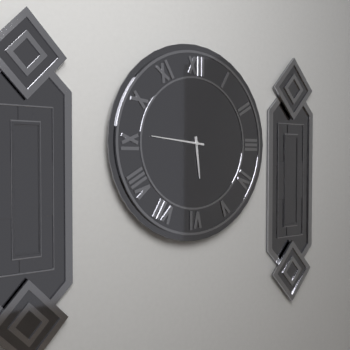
5.46
